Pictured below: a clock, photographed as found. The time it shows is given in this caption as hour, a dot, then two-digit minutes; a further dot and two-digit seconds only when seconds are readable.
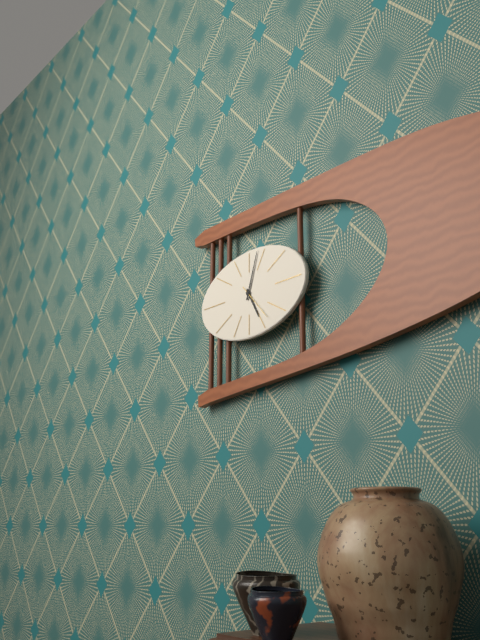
5.03
